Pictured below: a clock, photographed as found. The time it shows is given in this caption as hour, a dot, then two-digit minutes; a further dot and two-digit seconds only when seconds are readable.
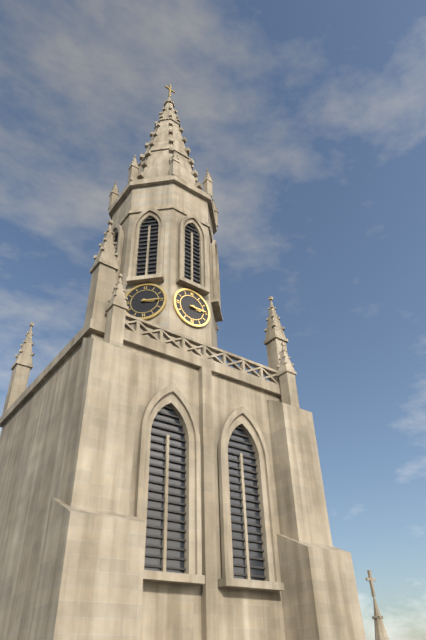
3.15
